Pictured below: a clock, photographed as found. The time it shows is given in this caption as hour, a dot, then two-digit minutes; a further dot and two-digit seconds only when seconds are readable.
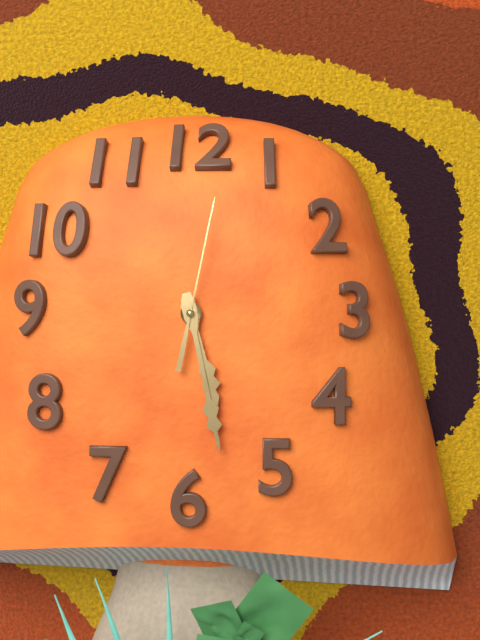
5.28.02
